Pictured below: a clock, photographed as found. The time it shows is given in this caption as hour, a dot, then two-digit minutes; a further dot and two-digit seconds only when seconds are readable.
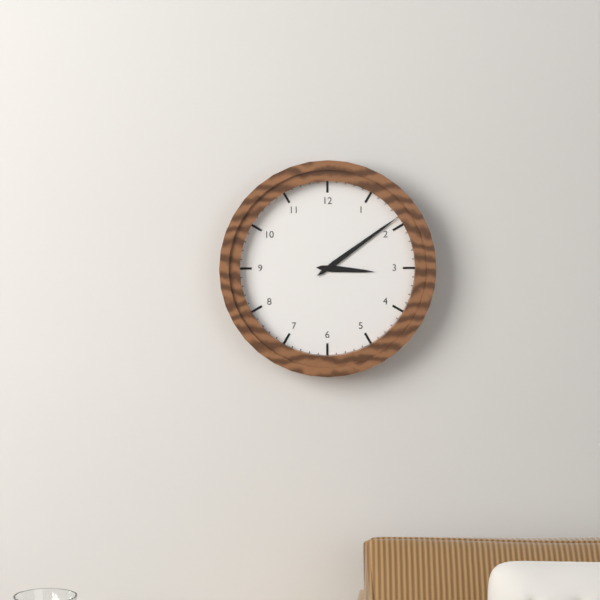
3.09
